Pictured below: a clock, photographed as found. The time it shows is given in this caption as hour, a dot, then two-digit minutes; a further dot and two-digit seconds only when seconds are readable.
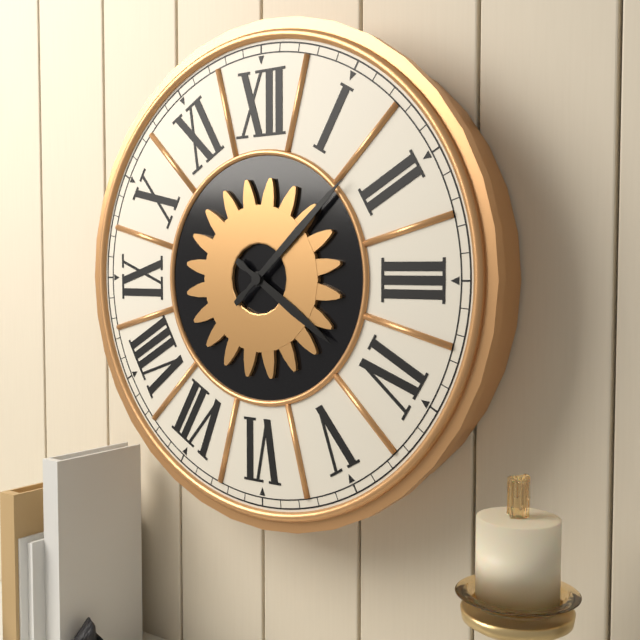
4.08
